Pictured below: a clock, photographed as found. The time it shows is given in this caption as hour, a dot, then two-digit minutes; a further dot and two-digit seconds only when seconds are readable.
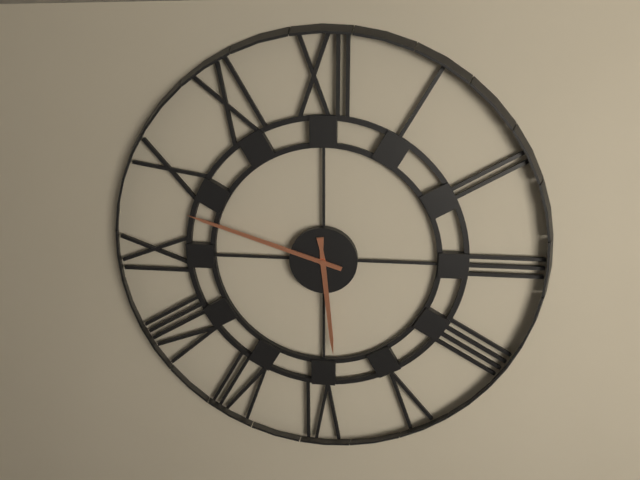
5.48
